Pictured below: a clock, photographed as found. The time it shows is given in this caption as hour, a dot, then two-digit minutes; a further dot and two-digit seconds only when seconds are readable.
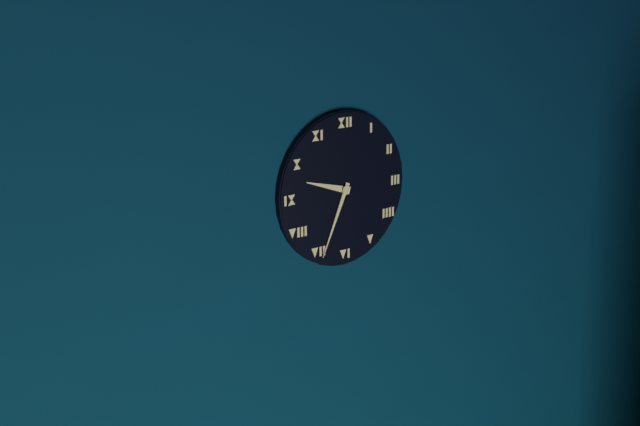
9.34
